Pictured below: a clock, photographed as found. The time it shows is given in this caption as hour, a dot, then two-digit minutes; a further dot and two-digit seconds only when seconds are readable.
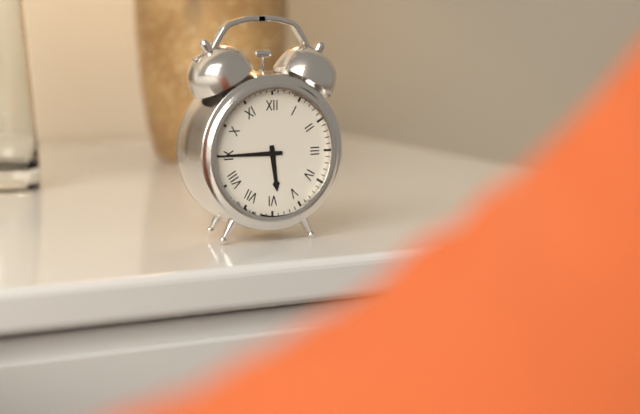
5.45
